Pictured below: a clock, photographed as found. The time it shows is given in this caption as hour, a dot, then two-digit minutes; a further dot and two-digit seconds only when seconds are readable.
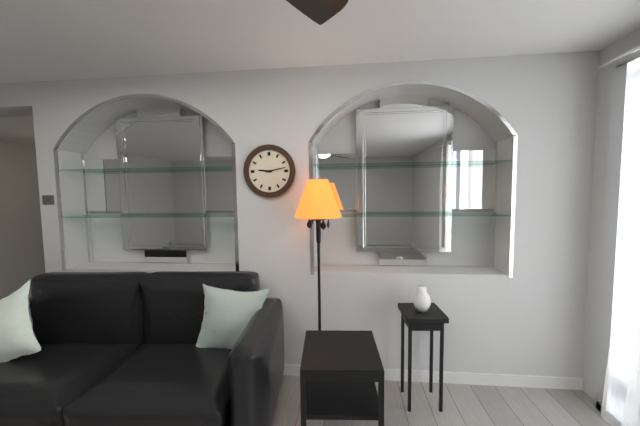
9.13
